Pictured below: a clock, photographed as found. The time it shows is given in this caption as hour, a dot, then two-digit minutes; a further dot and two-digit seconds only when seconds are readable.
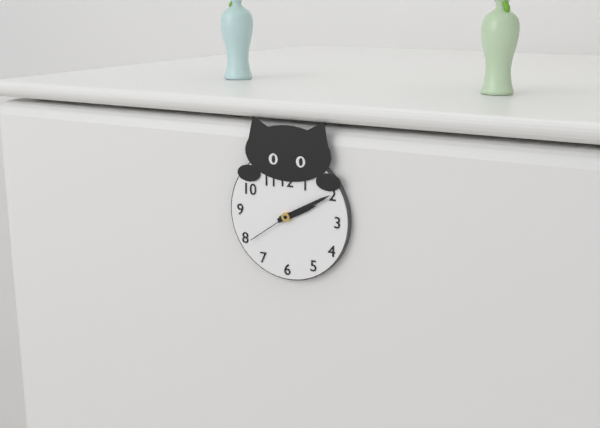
2.10.39
